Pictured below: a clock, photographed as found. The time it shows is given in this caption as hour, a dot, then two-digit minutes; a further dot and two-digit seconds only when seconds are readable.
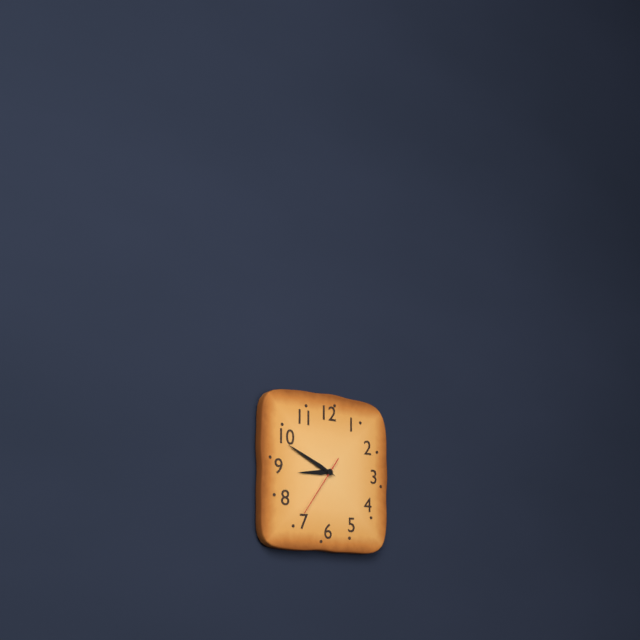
8.49.36
